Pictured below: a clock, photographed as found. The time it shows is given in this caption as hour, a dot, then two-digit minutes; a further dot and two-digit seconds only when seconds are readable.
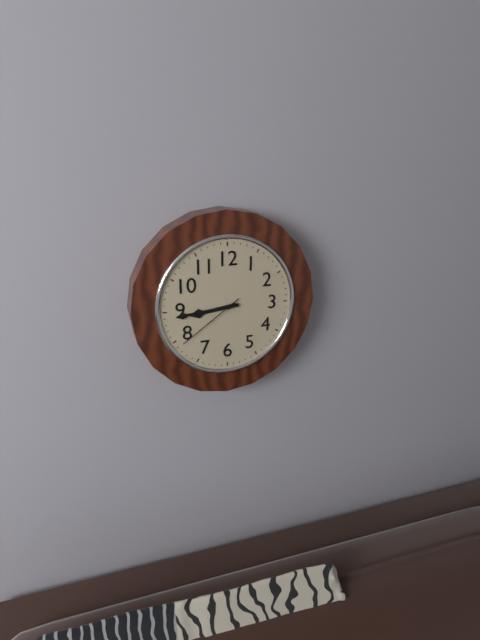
8.44.39
